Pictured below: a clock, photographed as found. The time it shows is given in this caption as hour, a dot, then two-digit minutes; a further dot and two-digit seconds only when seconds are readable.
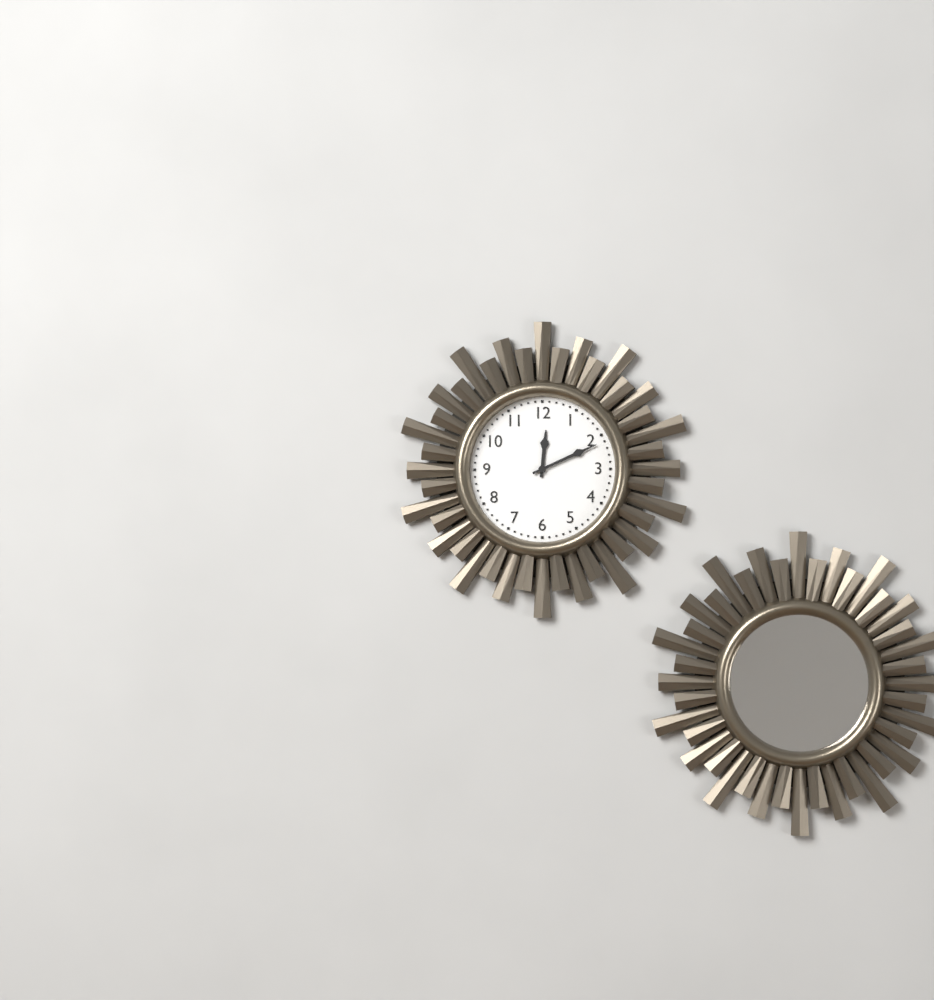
12.11
